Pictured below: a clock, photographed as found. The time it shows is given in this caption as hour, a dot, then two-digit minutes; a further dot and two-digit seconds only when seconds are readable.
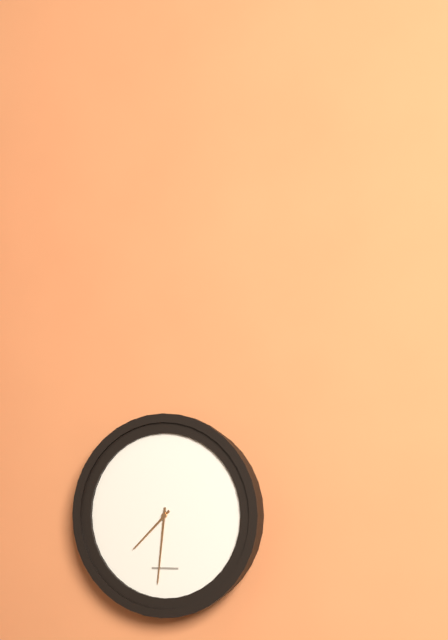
7.31
